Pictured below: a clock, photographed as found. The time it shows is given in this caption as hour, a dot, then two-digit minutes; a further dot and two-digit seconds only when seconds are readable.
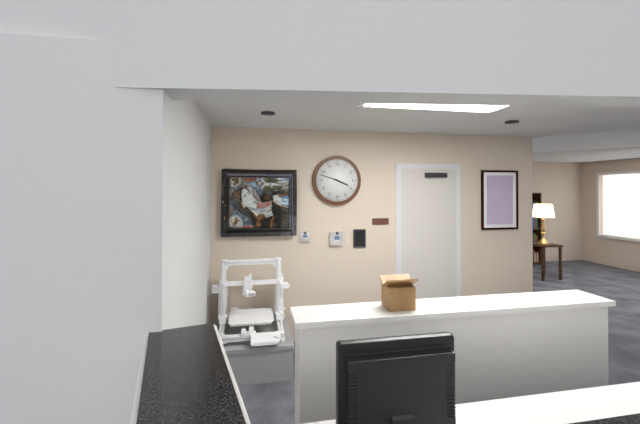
3.48
